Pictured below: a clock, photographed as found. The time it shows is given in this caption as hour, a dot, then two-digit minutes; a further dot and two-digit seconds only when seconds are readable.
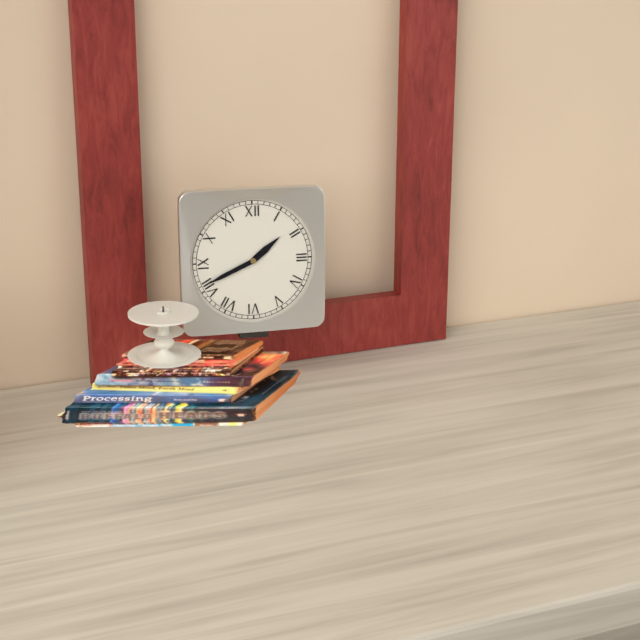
1.41
